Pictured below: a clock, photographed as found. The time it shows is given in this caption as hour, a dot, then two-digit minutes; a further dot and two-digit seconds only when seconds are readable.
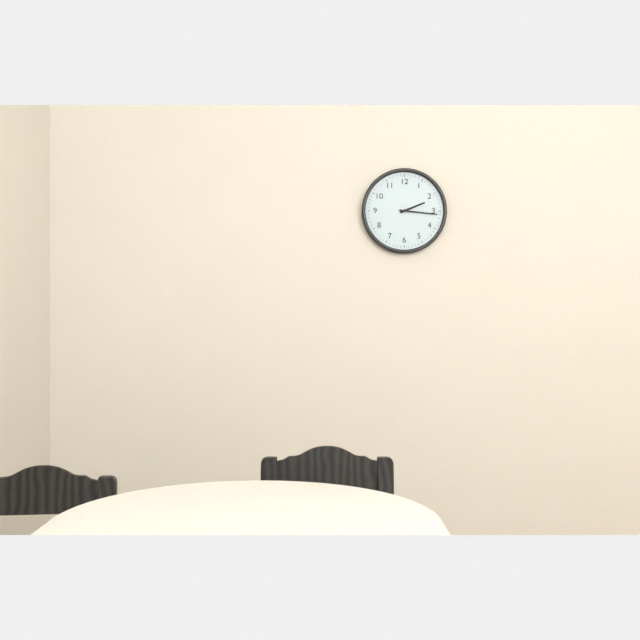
2.16
